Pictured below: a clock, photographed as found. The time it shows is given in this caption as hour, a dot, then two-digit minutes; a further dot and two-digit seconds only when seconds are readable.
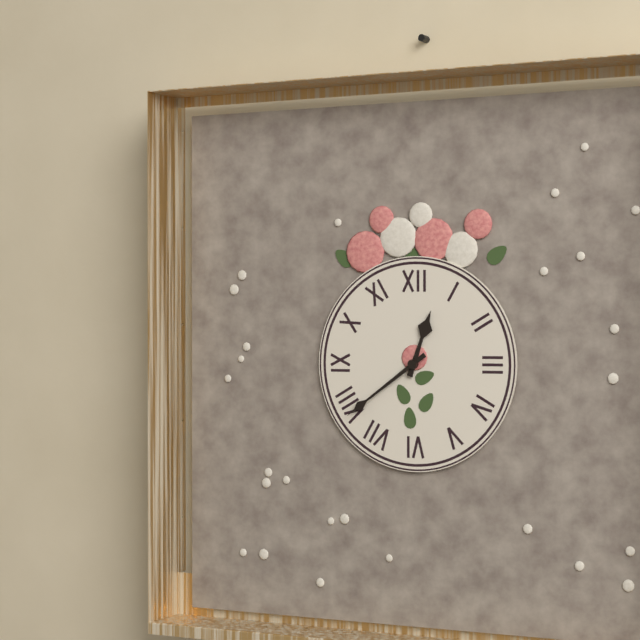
12.39
